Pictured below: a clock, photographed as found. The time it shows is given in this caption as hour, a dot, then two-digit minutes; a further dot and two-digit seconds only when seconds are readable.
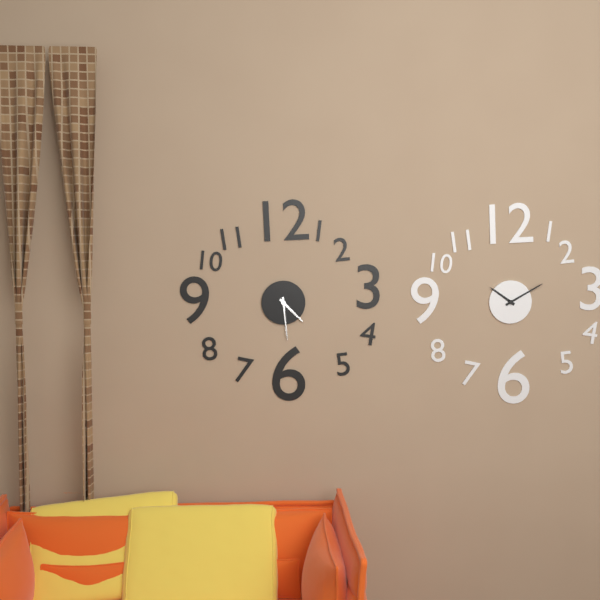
4.29
